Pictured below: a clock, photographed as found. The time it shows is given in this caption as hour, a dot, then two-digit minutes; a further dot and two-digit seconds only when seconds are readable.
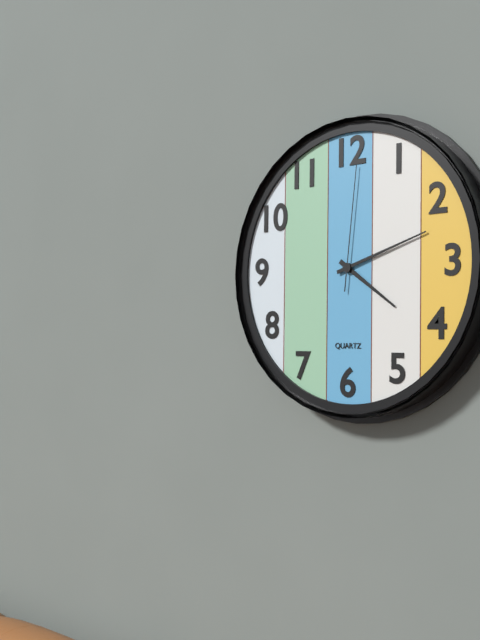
4.12.01
